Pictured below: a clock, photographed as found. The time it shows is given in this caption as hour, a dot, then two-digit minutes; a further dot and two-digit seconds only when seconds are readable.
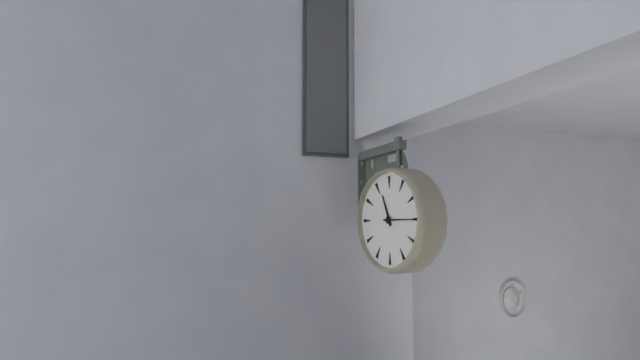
11.15
